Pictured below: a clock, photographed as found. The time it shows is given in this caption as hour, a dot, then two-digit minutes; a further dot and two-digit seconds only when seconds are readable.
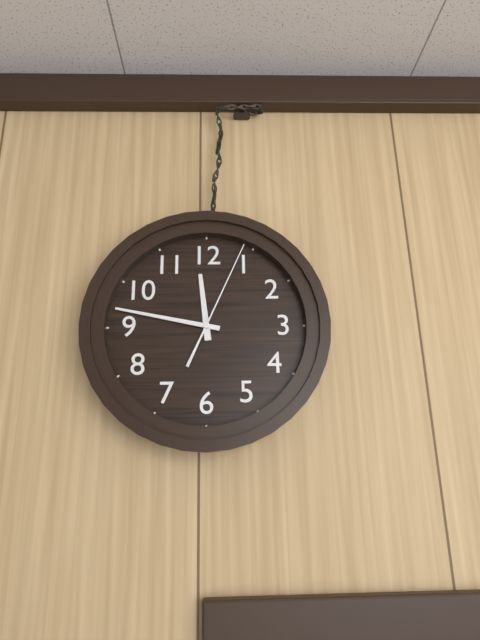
11.47.04
